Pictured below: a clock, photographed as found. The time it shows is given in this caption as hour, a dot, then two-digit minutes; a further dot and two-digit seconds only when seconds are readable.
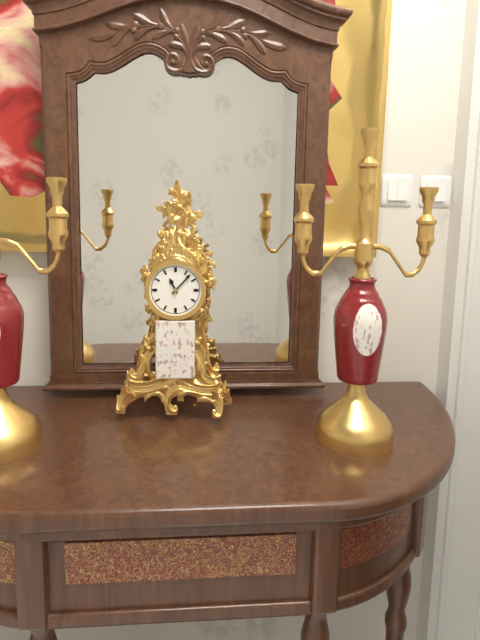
11.07
